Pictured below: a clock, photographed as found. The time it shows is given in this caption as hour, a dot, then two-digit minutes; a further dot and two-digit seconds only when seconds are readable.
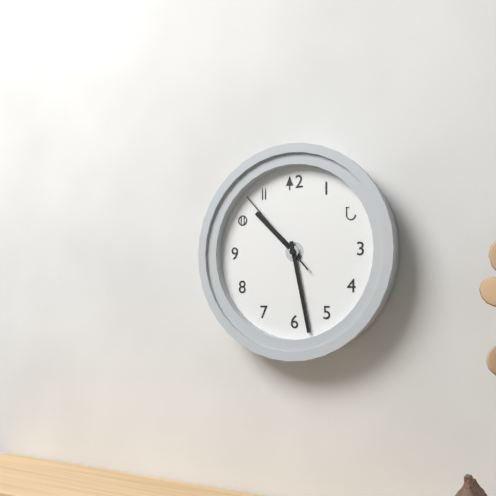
10.28.53
